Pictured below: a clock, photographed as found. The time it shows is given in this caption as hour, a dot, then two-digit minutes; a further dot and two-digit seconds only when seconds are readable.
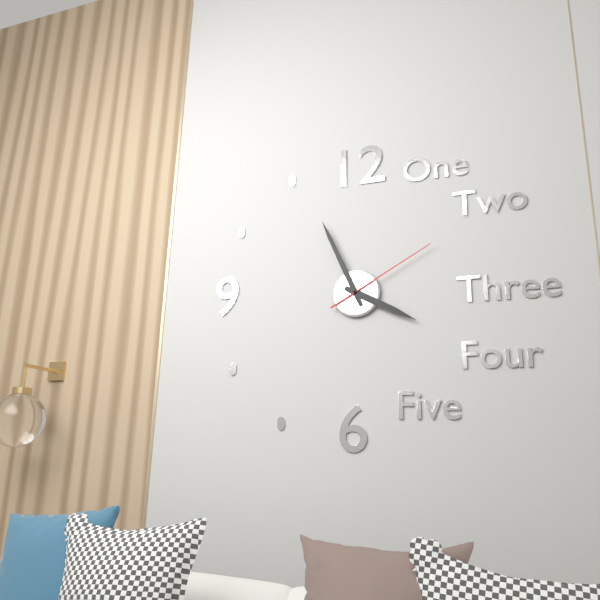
3.56.10
